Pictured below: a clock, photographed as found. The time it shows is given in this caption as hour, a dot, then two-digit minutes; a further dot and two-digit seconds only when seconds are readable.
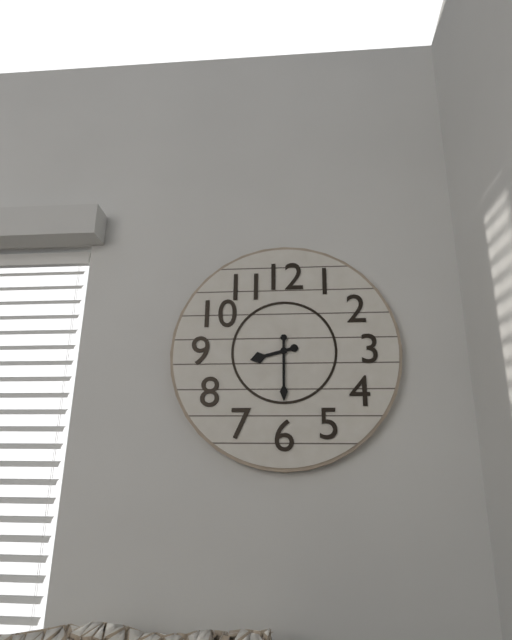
8.30
